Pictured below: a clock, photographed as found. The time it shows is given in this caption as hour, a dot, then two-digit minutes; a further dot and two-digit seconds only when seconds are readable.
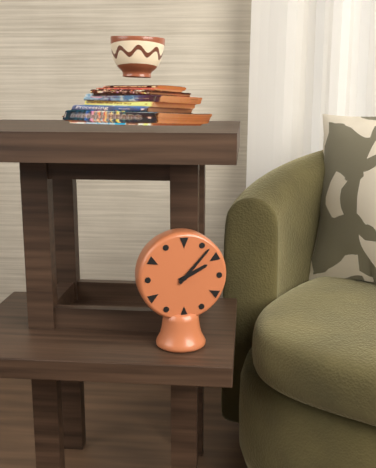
2.07
